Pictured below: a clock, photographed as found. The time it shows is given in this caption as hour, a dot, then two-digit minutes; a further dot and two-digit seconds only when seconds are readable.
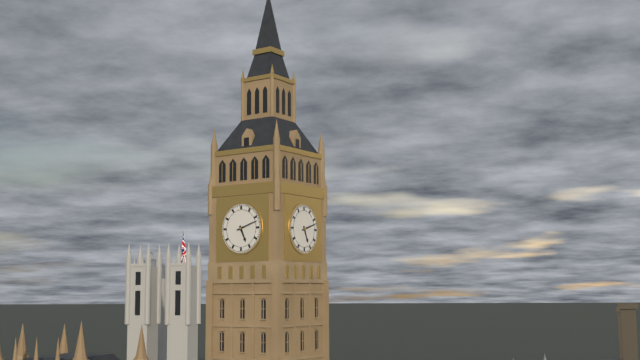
5.12
